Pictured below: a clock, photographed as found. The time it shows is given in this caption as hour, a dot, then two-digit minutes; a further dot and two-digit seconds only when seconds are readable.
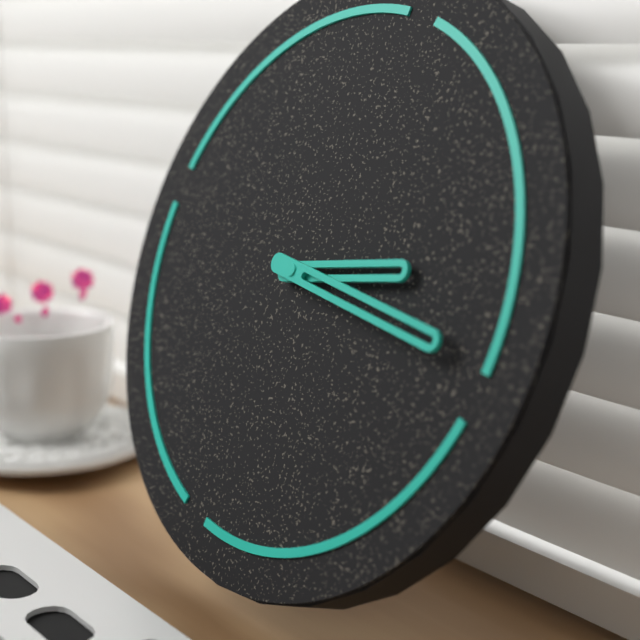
2.14
